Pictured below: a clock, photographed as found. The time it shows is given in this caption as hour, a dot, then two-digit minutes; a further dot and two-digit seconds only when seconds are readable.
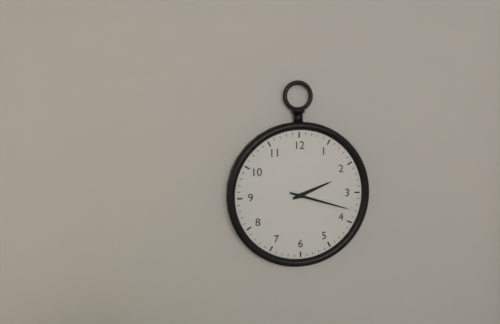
2.18
